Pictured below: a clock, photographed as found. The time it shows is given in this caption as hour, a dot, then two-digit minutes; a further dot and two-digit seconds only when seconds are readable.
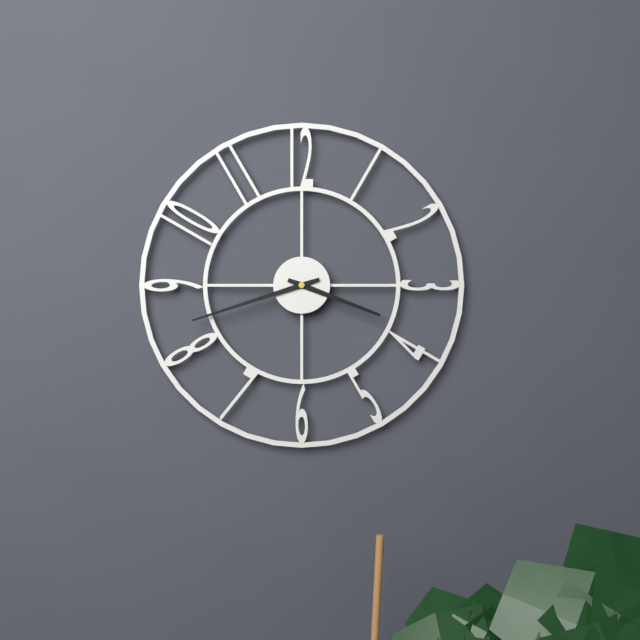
3.42
